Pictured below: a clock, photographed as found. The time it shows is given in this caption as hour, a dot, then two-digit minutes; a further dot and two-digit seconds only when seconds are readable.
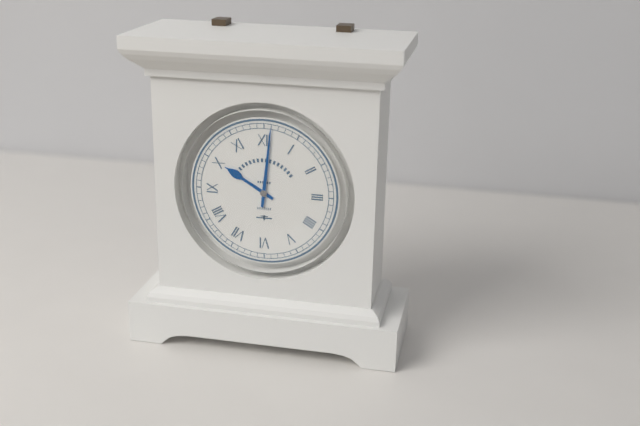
10.01
